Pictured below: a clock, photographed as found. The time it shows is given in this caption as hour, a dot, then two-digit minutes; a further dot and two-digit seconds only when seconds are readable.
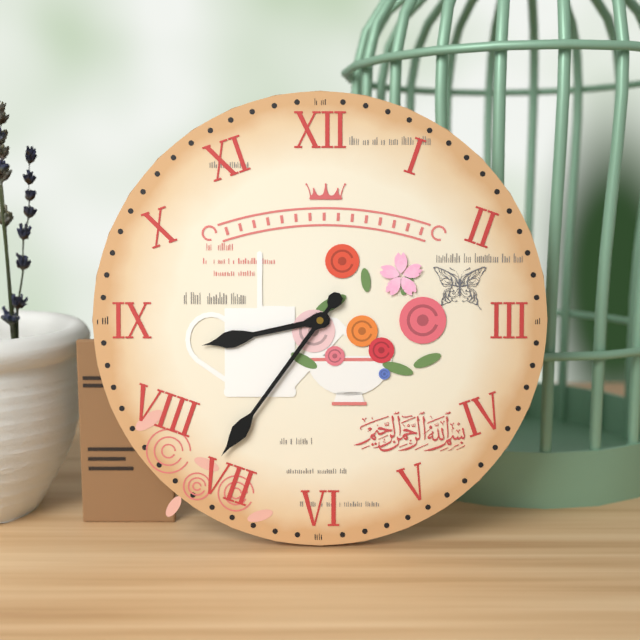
8.36
